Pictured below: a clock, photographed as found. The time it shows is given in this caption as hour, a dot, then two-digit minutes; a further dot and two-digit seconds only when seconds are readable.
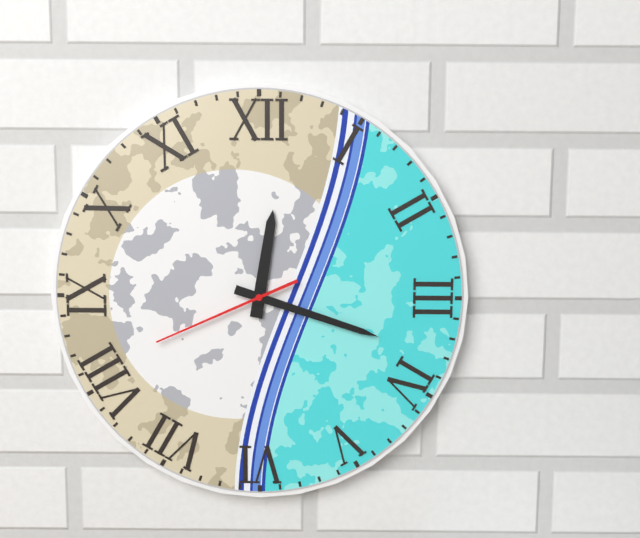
12.18.41
